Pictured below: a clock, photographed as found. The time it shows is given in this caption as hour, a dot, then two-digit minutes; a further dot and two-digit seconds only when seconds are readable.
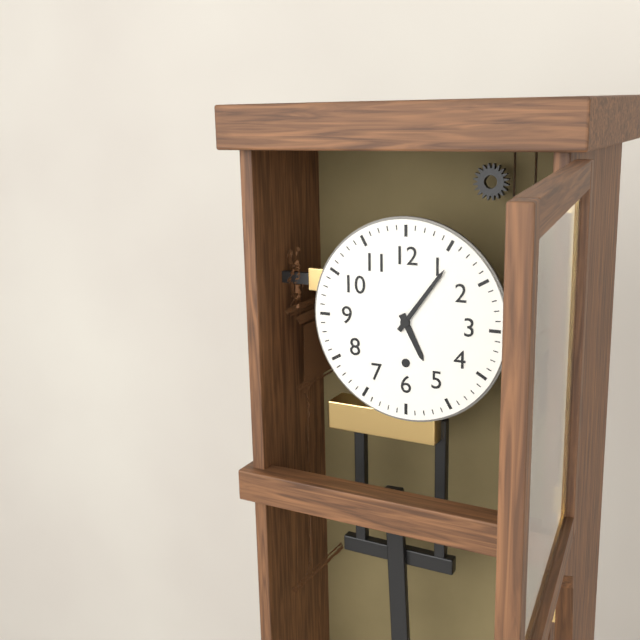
5.06
